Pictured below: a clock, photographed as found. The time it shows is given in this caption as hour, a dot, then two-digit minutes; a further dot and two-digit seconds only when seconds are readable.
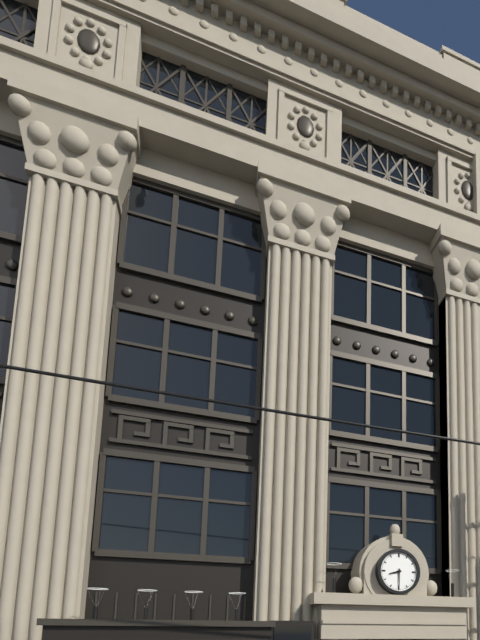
8.30
